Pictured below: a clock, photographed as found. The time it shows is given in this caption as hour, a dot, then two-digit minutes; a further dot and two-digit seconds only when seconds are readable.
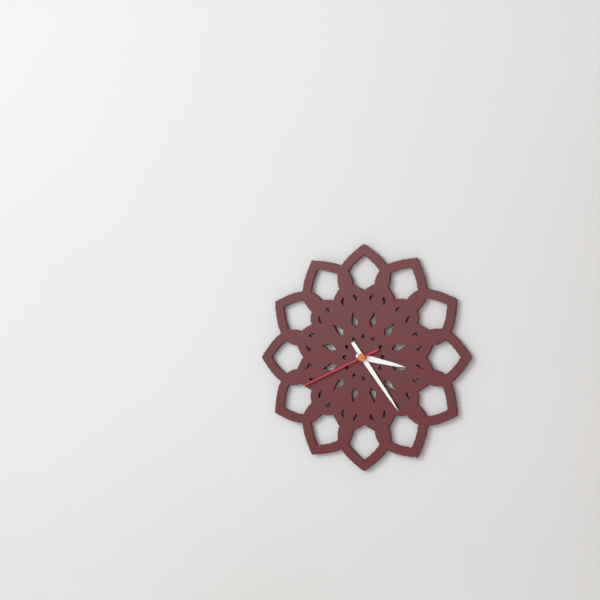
3.24.41
